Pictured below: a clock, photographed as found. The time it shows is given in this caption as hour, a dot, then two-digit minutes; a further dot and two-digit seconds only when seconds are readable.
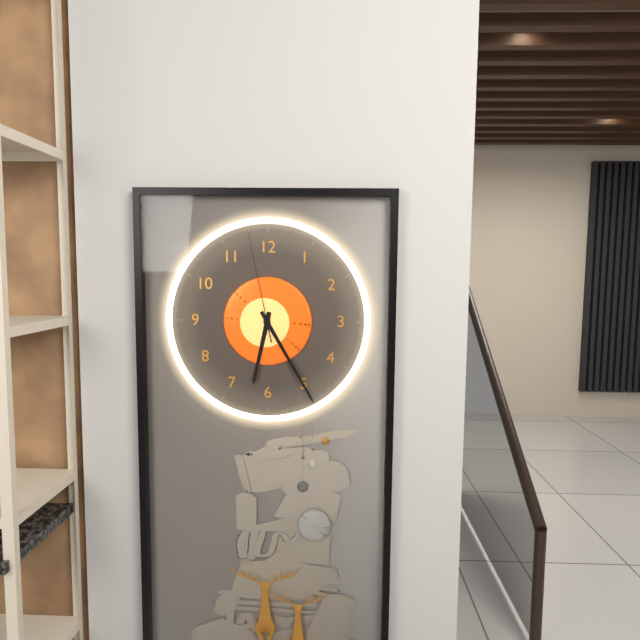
6.25.58
